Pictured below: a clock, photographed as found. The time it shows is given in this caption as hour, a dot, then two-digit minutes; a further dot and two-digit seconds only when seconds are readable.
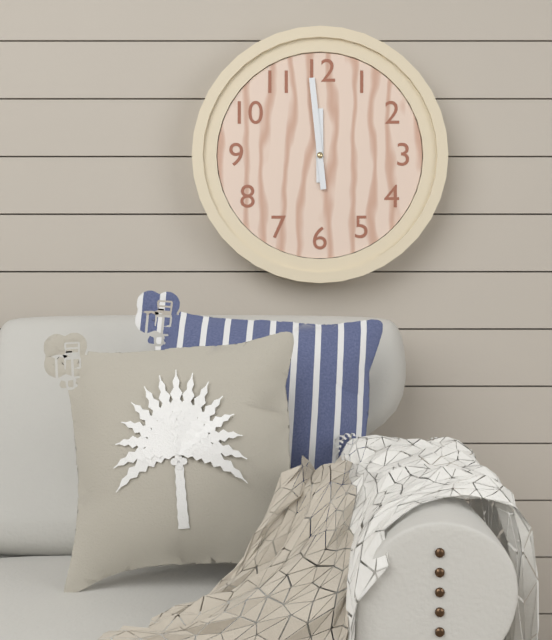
11.59
